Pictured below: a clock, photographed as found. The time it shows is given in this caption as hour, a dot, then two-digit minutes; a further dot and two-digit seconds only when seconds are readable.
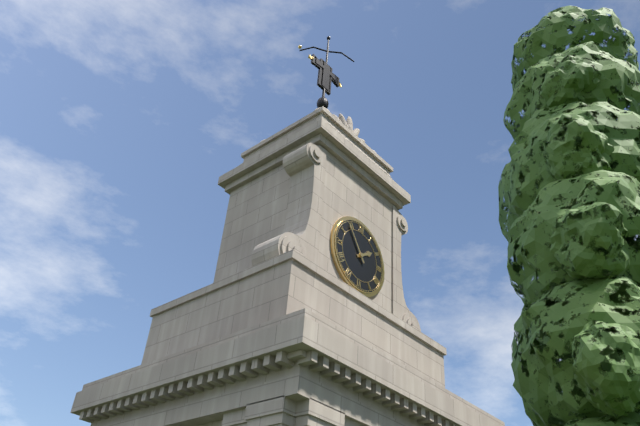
1.54
